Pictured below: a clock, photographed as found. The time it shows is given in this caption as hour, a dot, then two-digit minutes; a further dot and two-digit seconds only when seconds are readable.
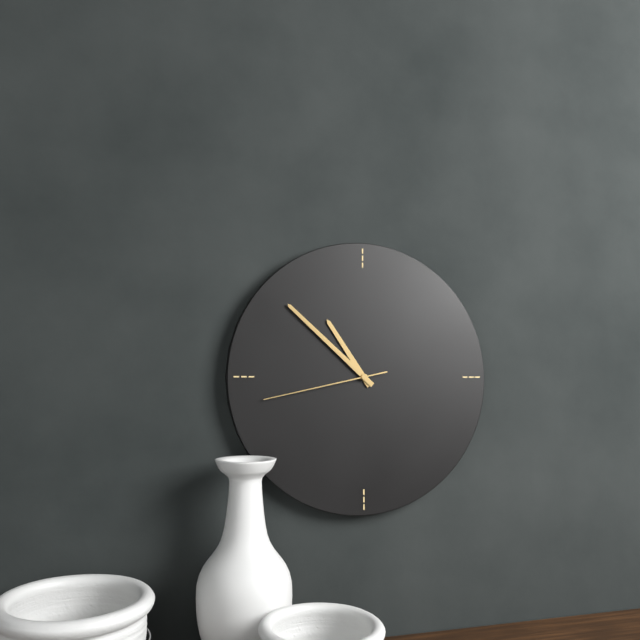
10.52.43
